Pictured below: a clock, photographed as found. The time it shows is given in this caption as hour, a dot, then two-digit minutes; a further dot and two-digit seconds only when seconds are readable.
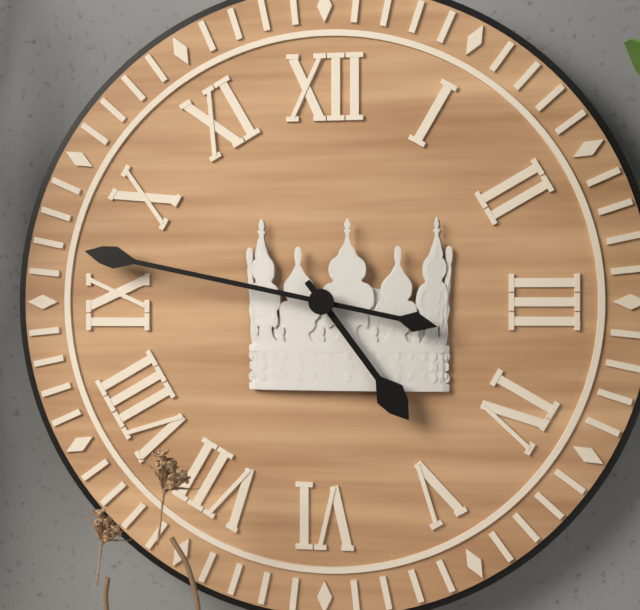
4.47
